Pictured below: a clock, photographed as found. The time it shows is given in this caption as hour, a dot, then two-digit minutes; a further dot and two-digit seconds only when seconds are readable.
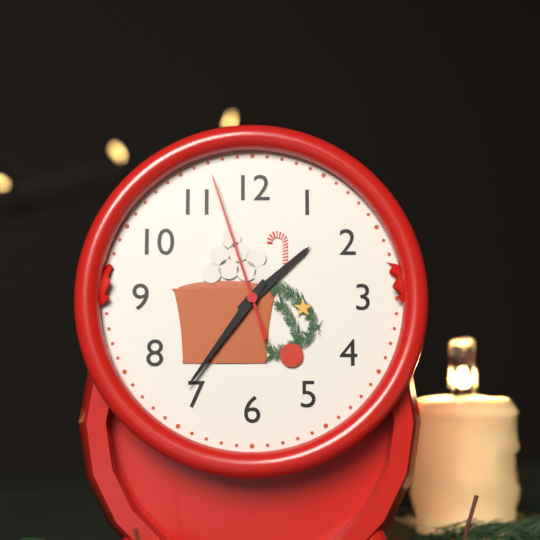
1.36.57
